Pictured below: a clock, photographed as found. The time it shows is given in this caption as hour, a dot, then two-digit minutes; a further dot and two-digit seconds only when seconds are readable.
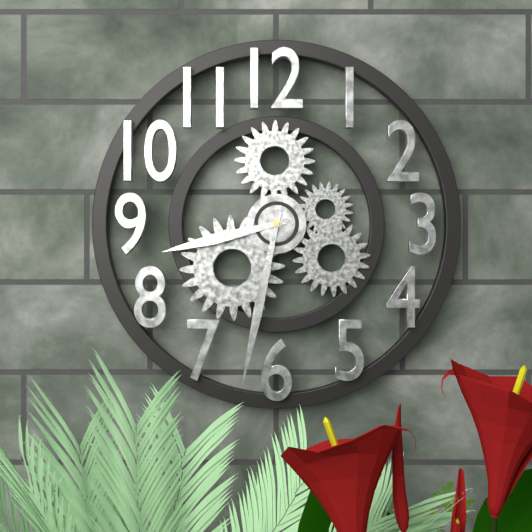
8.32
